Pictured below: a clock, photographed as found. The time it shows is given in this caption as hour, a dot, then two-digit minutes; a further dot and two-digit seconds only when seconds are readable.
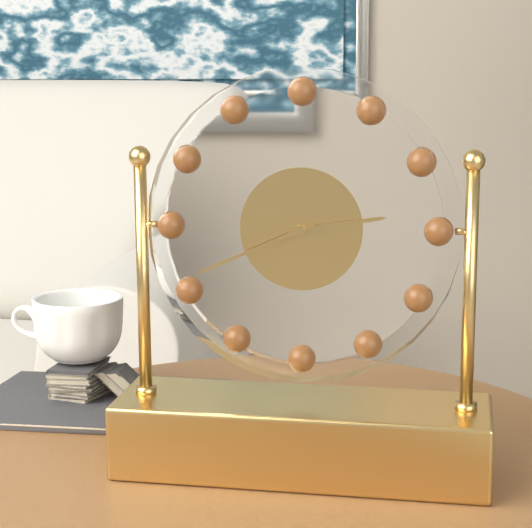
2.41
